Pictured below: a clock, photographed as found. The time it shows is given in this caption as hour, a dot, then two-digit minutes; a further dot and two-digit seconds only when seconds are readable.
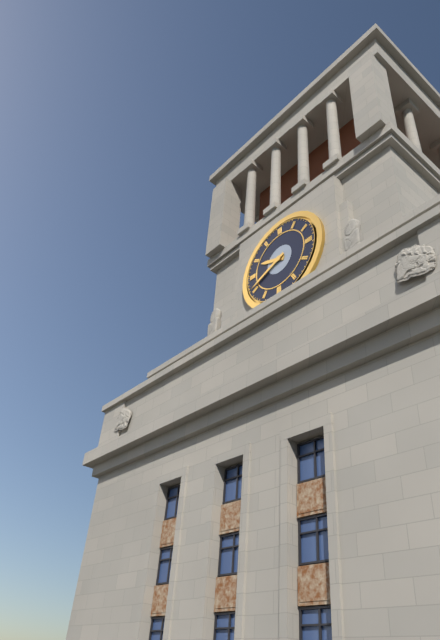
9.41
